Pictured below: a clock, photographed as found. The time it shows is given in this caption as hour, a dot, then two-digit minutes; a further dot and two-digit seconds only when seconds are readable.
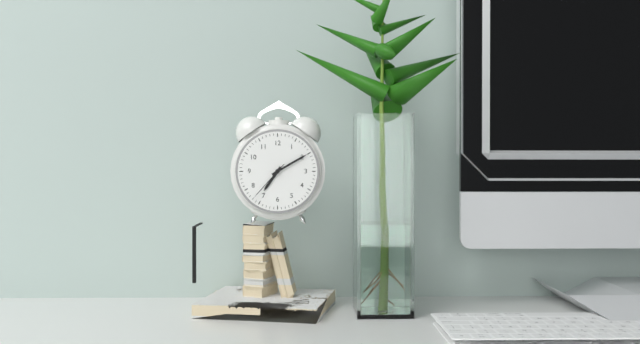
7.10
